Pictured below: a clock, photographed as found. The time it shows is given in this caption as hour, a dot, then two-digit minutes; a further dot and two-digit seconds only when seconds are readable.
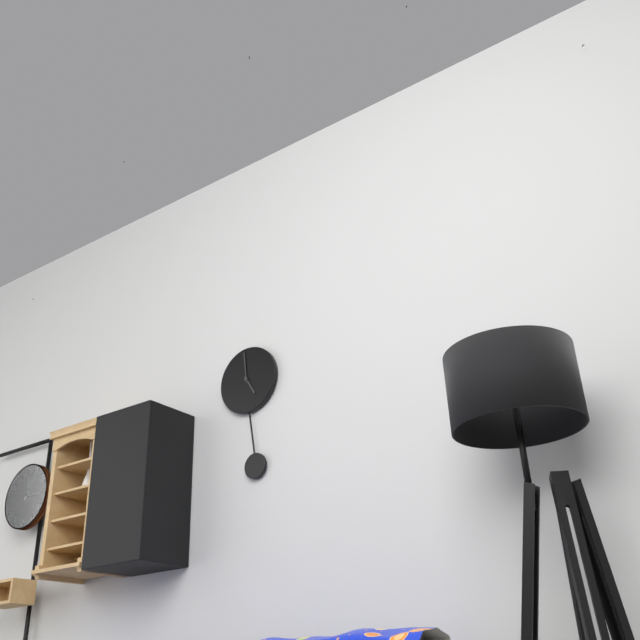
4.59
